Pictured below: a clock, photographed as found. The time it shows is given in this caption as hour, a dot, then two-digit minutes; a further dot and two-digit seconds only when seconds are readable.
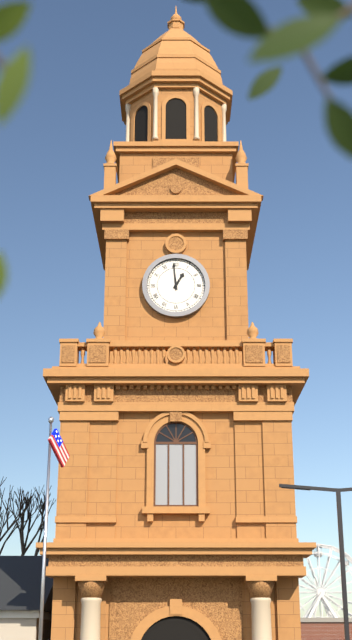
12.59
